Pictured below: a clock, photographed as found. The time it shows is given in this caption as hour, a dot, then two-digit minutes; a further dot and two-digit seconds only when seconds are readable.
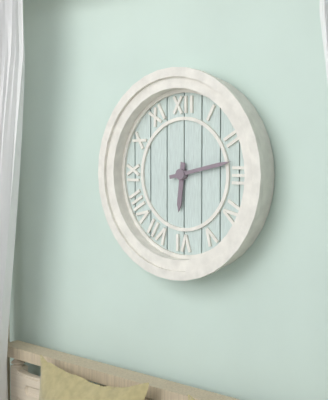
6.13
